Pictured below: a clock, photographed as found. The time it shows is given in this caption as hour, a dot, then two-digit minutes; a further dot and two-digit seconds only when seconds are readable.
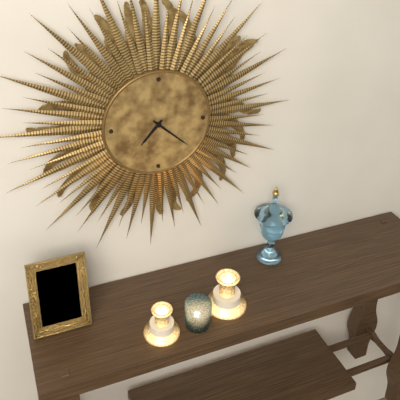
7.22
